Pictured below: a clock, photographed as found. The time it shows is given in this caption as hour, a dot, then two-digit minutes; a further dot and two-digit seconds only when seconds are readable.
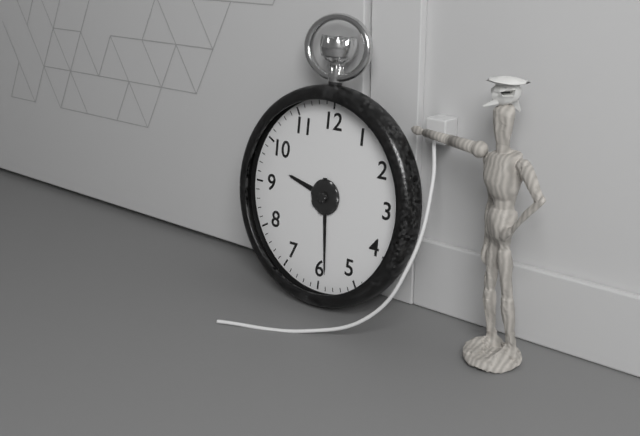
9.29
